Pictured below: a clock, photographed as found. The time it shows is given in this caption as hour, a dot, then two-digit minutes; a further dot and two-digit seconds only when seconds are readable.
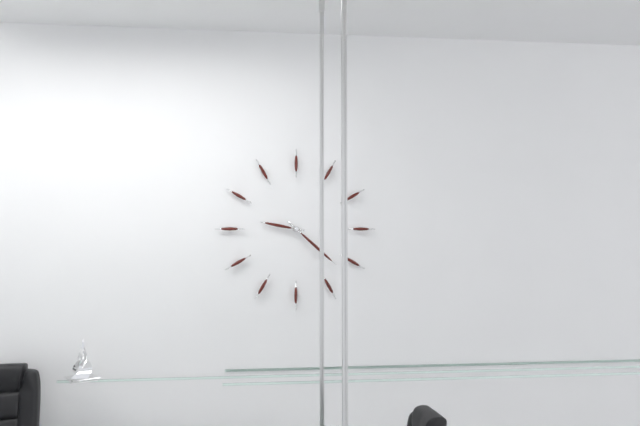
9.22
